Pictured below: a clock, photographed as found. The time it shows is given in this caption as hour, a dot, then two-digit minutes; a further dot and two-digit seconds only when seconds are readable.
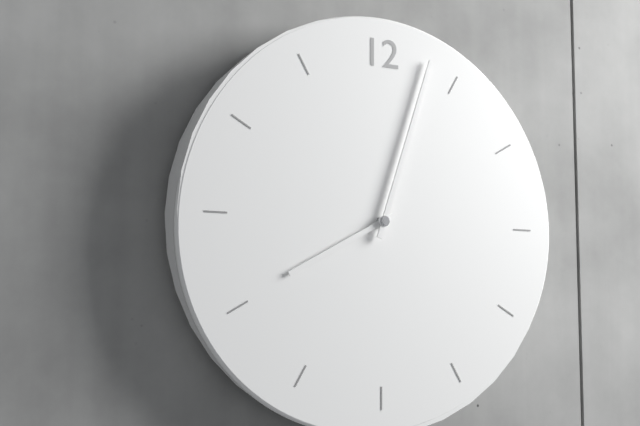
8.03
